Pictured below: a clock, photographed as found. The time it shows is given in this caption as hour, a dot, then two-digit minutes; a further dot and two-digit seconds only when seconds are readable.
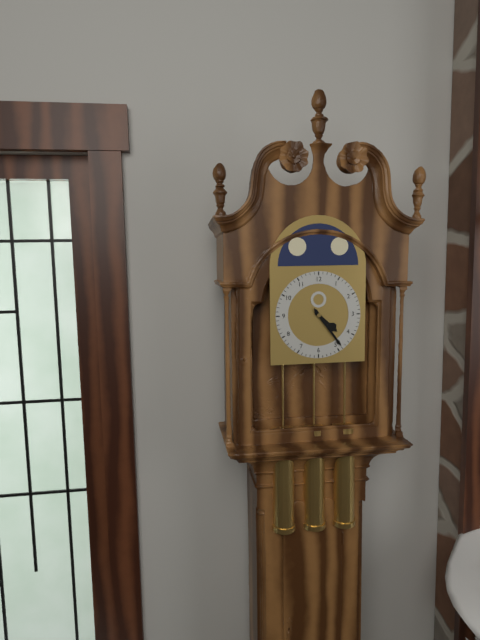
4.24
